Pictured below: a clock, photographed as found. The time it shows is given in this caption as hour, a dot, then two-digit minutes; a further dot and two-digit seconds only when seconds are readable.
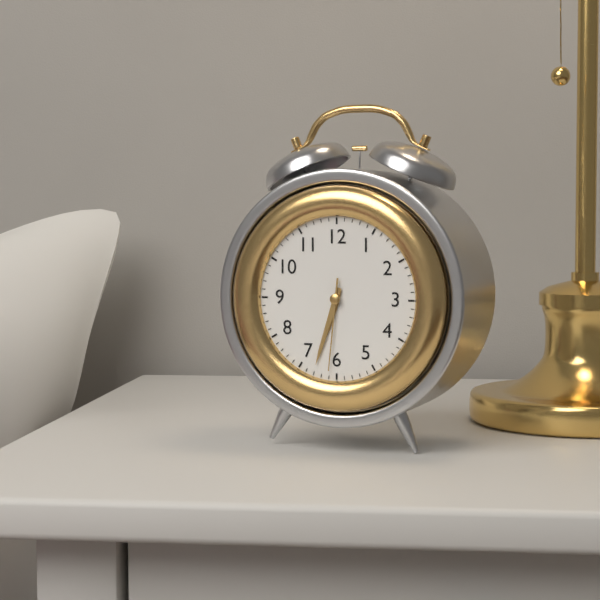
6.33.31
